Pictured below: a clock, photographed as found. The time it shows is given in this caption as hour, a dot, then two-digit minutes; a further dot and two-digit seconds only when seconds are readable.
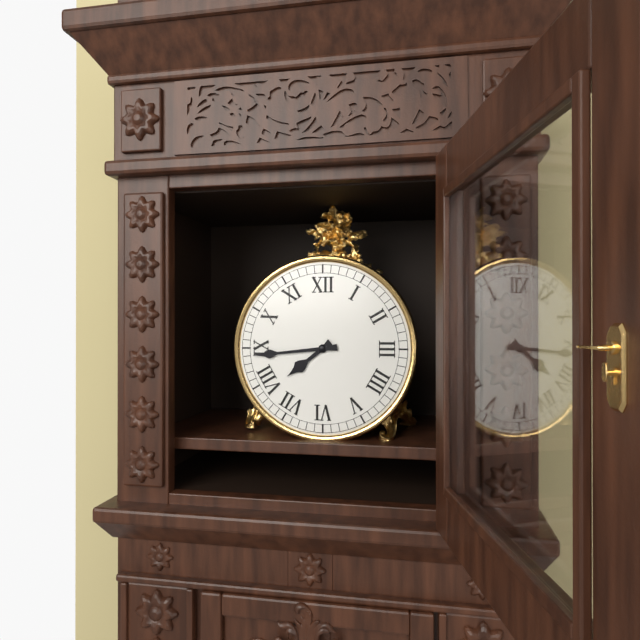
7.44
